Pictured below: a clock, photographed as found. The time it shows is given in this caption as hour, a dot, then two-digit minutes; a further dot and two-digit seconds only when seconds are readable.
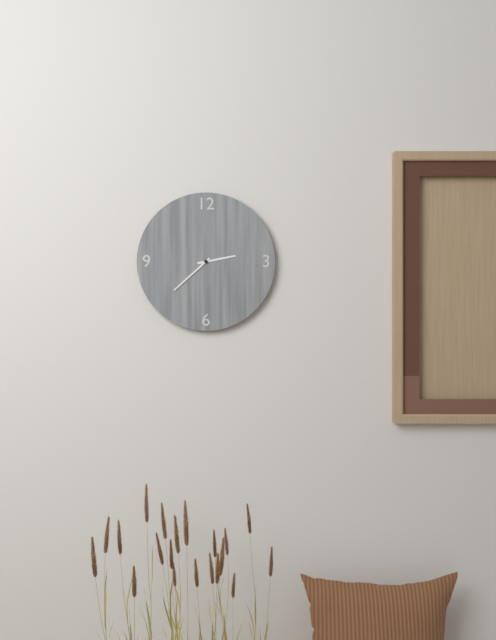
2.38
